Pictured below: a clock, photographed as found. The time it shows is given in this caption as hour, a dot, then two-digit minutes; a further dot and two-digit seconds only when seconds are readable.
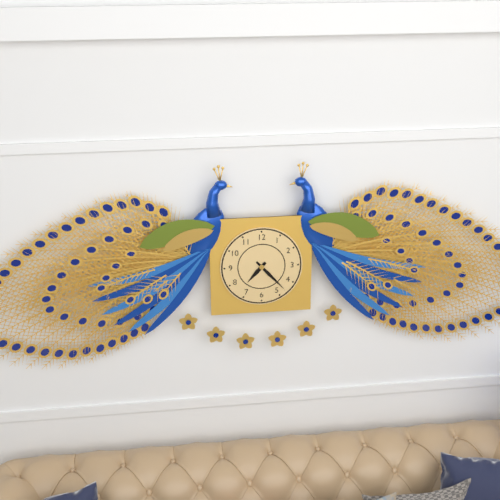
7.23
